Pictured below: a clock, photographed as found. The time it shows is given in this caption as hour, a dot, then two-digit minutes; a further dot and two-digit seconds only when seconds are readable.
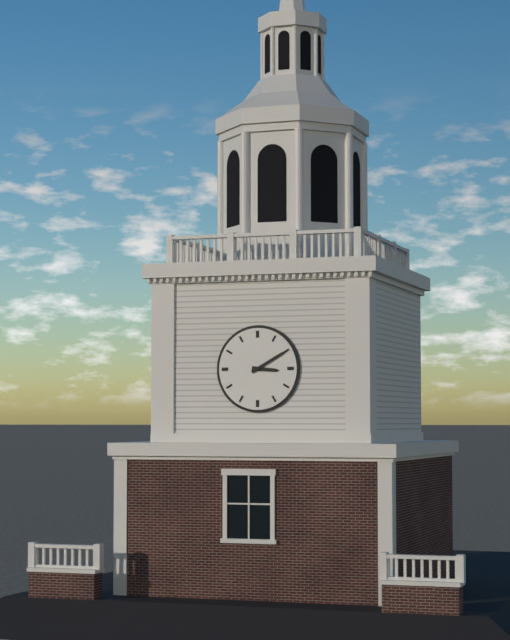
3.10
